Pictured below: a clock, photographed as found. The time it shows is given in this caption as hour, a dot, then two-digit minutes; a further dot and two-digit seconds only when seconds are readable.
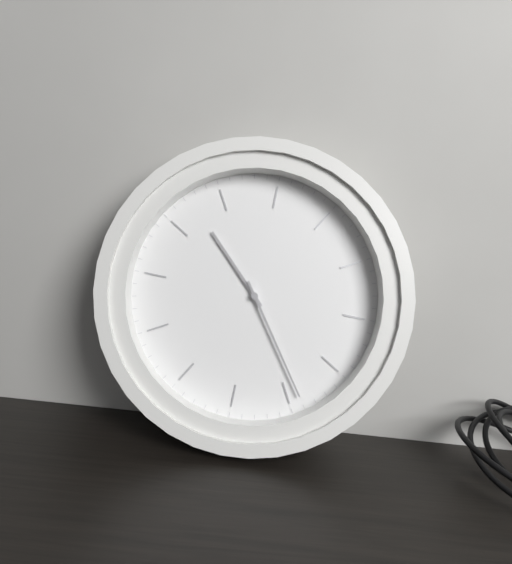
11.29
